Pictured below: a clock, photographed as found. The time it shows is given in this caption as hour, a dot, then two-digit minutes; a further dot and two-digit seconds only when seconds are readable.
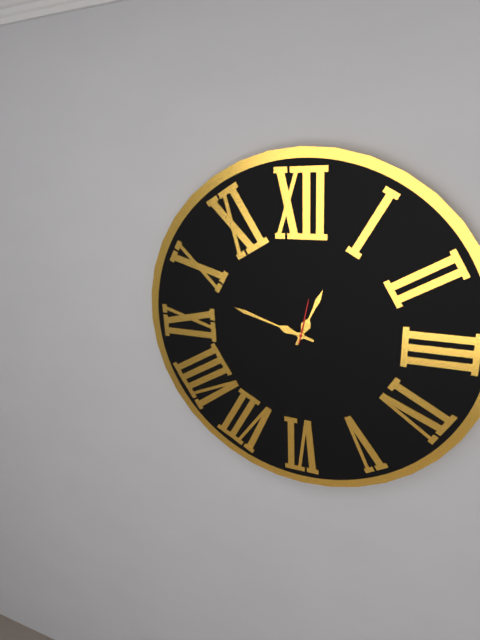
12.48
